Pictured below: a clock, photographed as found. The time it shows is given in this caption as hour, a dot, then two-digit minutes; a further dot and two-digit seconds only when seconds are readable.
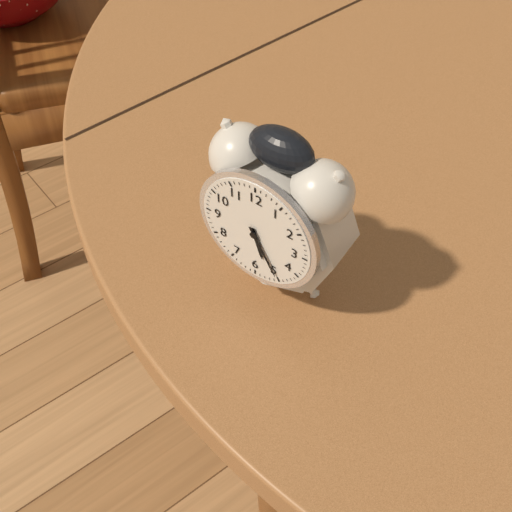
5.25
